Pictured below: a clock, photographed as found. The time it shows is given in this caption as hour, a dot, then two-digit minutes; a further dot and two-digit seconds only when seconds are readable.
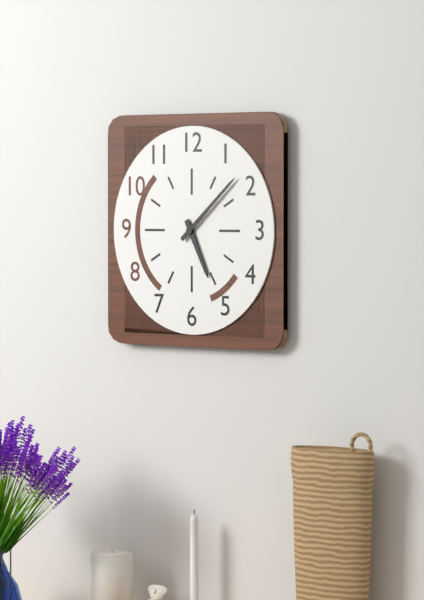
5.08
